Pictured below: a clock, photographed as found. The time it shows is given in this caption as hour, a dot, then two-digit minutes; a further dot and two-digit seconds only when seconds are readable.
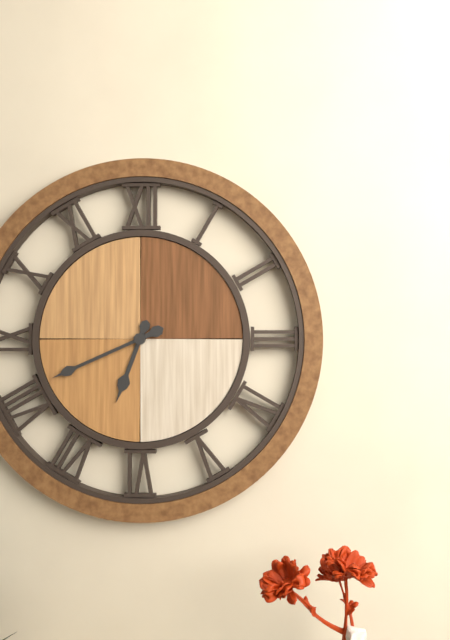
6.41
